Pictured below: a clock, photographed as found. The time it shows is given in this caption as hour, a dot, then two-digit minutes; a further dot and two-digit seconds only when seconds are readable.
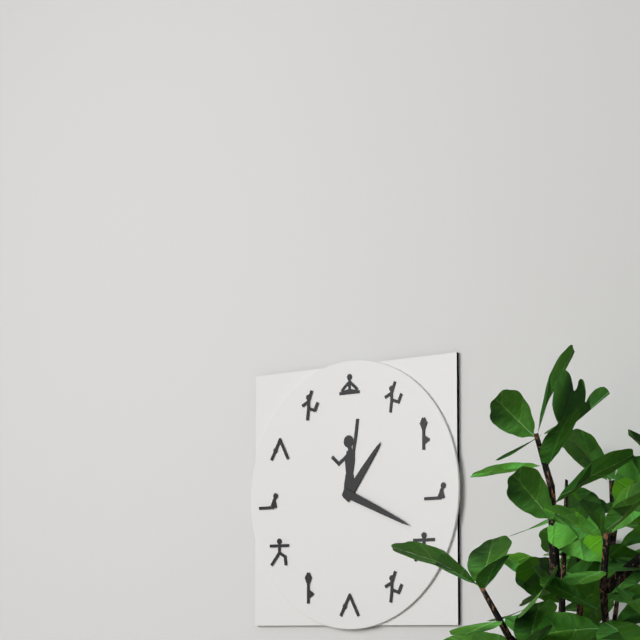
1.19
